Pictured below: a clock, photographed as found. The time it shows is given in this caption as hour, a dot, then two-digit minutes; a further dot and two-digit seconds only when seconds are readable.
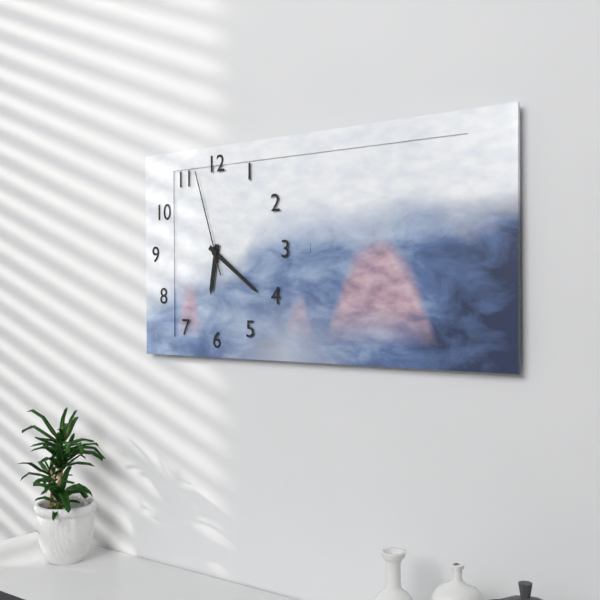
6.21.57
